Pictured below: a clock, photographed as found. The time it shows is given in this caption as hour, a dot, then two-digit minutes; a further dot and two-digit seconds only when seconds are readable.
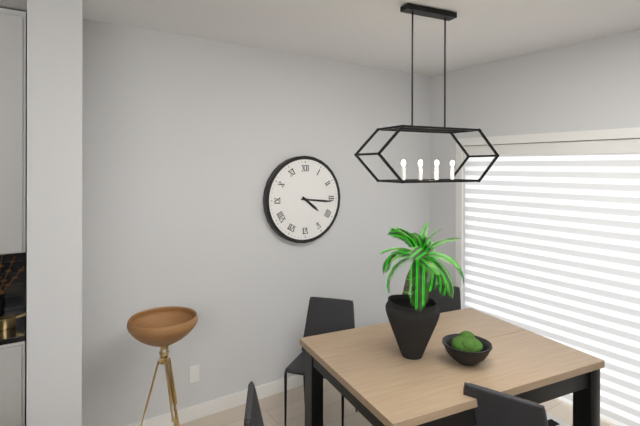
4.16
